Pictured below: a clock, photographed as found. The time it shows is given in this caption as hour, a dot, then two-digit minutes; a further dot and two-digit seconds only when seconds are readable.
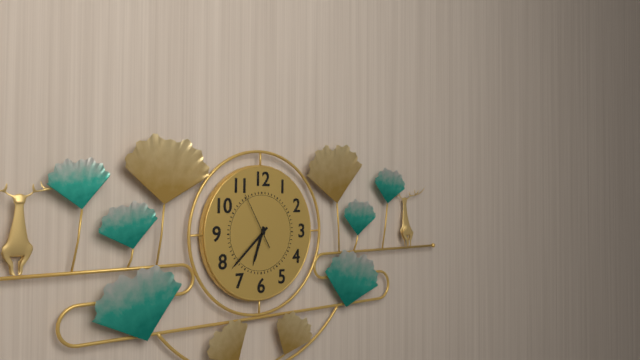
6.38.55
